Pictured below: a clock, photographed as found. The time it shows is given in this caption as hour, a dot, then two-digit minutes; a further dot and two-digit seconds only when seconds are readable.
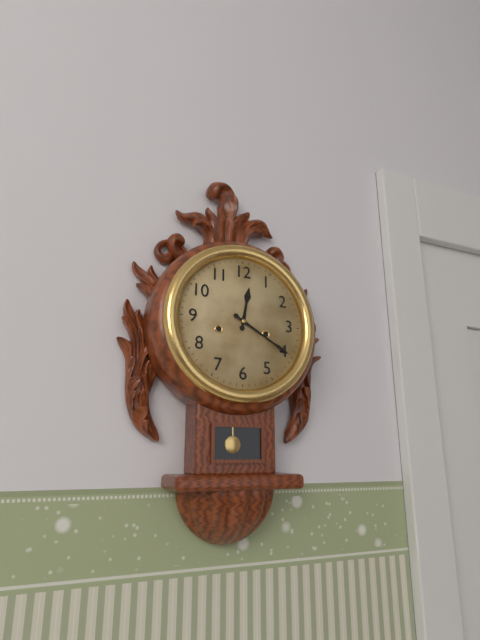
12.20
